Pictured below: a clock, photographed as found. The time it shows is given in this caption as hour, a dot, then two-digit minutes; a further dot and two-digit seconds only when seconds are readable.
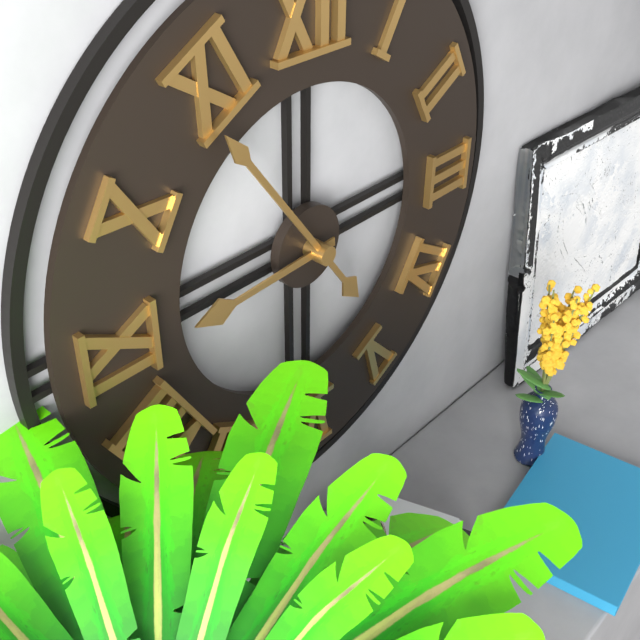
8.54
